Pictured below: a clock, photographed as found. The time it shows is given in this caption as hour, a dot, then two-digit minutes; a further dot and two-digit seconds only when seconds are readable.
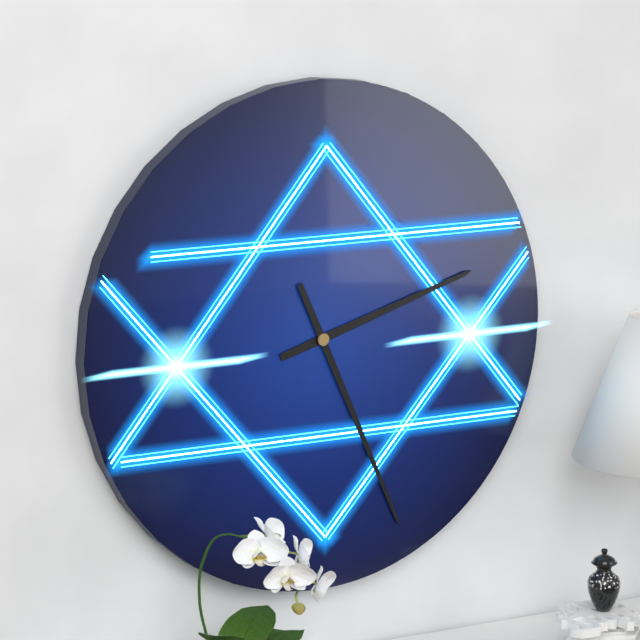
2.26
